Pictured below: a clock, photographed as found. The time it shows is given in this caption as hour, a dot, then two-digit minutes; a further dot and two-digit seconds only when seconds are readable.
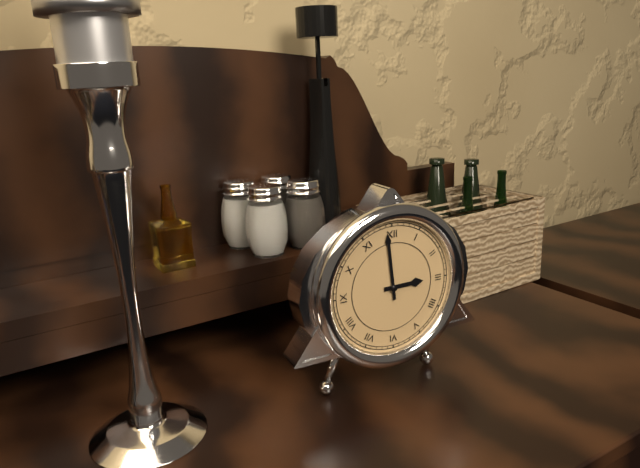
2.59
